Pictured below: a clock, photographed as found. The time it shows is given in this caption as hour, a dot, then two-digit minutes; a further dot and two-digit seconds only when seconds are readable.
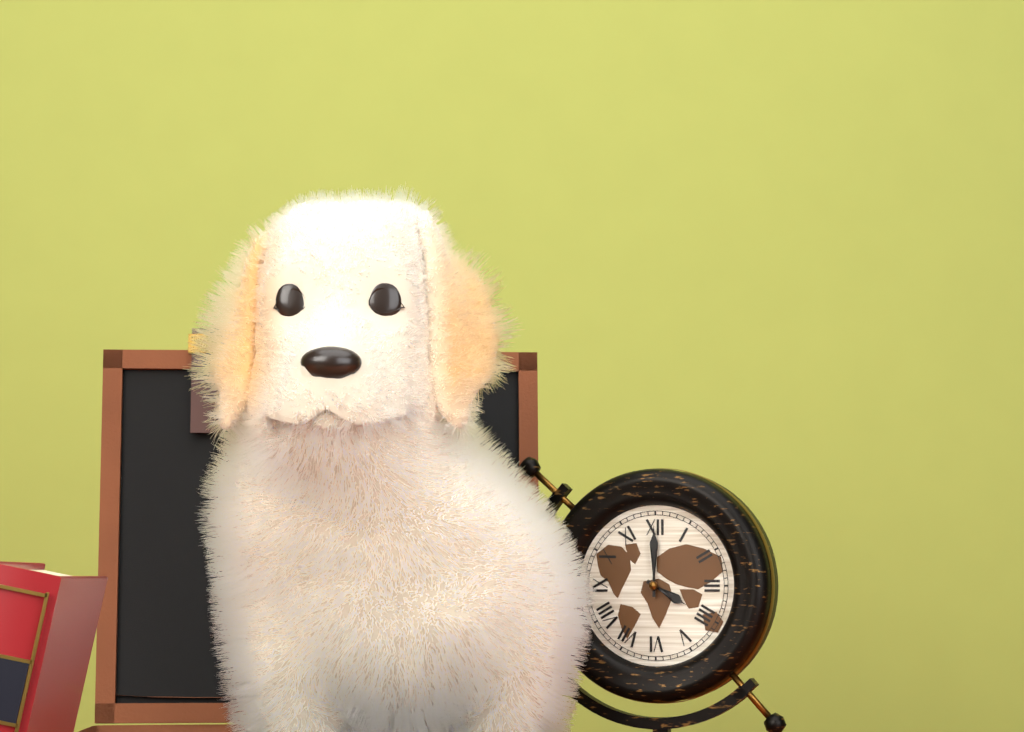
4.00
